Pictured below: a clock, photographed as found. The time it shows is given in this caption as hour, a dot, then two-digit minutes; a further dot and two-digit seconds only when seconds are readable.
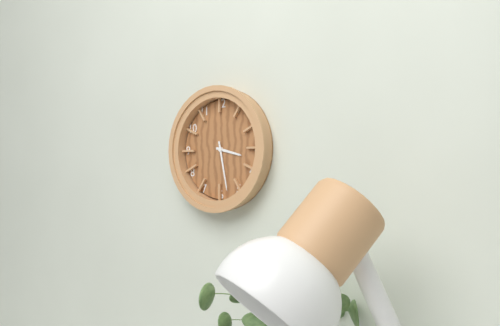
3.28
